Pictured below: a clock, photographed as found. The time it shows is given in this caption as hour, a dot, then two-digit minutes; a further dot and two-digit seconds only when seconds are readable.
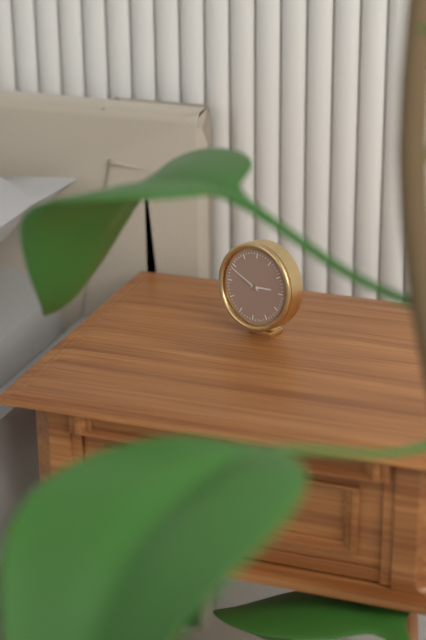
2.49
